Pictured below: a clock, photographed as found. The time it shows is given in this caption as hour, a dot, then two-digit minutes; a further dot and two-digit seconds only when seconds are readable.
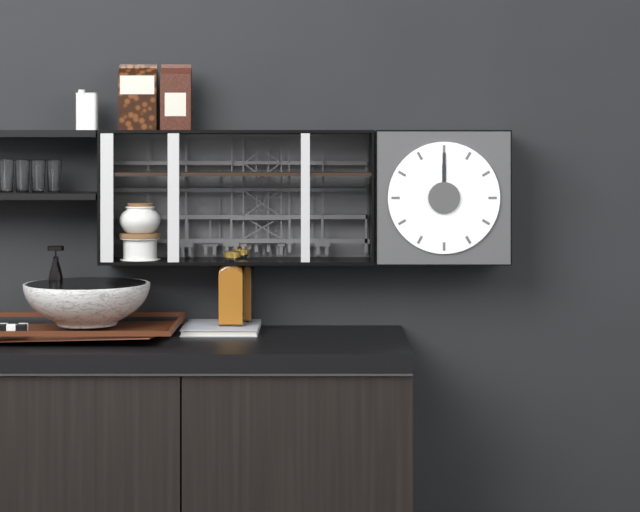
12.00
